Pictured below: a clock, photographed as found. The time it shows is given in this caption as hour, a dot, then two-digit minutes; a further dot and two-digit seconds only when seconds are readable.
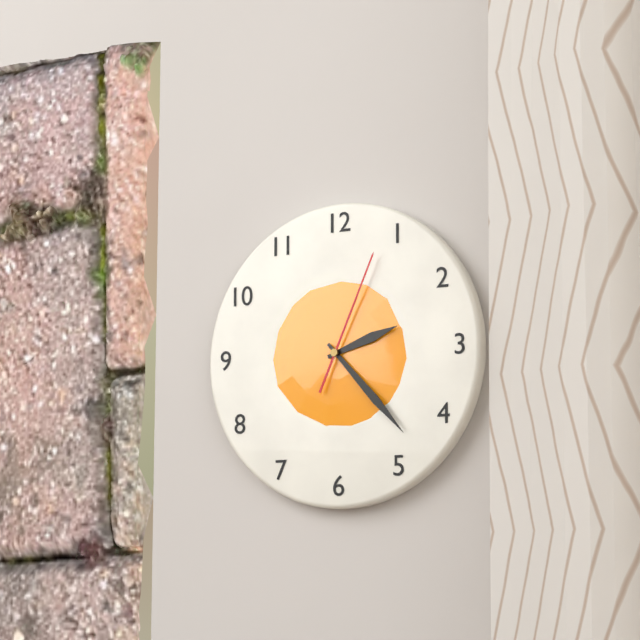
2.23.04
